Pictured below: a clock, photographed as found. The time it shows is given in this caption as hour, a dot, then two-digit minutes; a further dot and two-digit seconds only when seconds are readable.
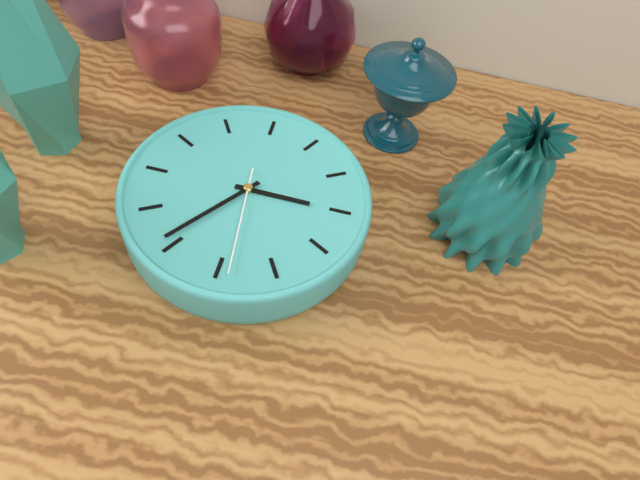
8.01.54
